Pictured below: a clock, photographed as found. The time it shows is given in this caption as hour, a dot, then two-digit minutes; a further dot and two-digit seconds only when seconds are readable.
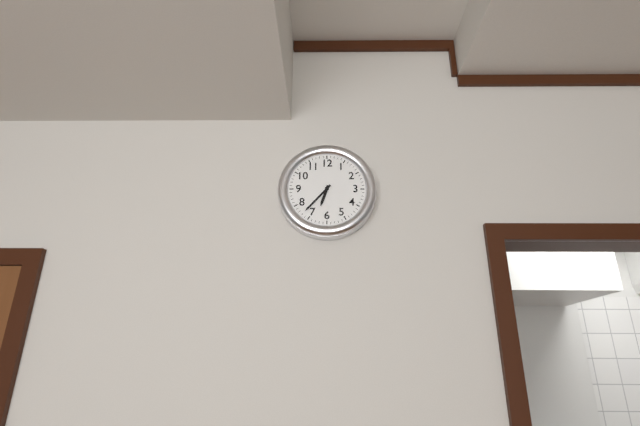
6.37
